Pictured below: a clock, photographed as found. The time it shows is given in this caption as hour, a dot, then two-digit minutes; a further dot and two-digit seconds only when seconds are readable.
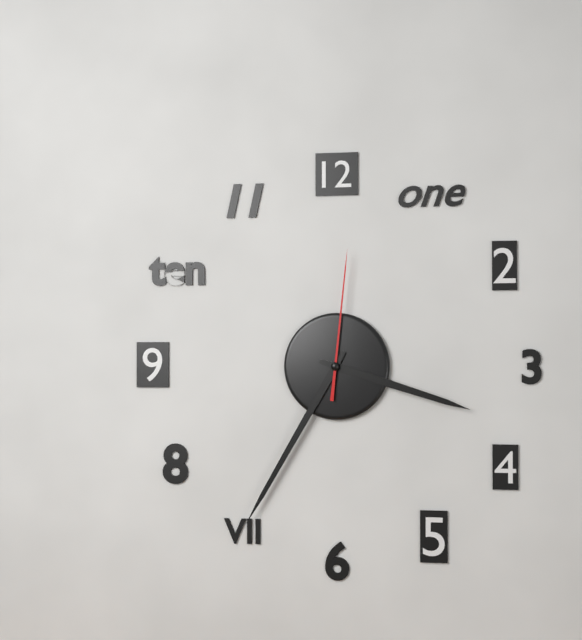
3.35.01
